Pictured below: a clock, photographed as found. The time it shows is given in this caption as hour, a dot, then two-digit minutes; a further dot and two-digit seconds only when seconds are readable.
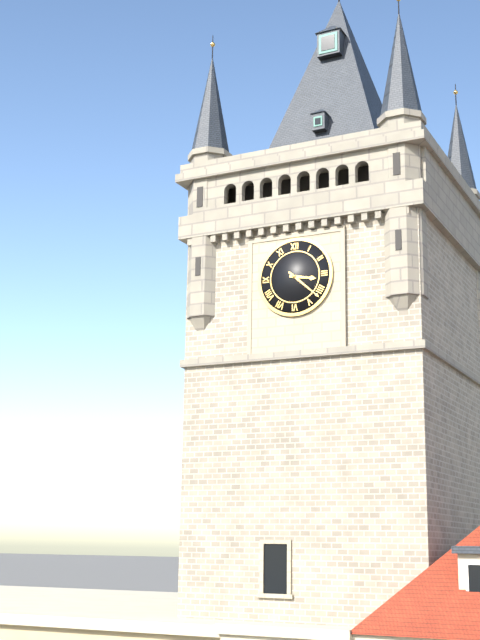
3.22
